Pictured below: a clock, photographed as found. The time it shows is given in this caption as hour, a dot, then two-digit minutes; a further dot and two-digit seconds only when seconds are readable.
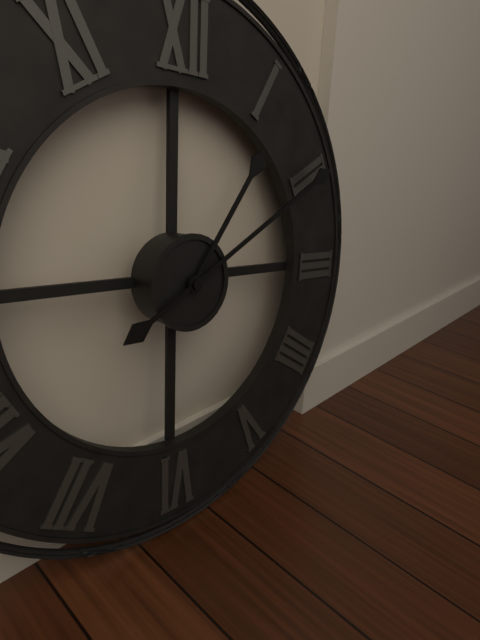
1.10
